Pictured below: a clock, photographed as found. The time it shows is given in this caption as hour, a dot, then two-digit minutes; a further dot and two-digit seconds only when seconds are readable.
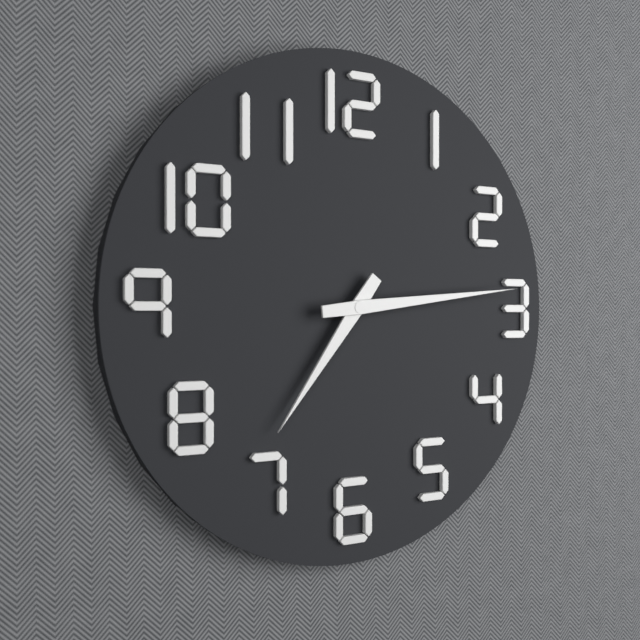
7.14
